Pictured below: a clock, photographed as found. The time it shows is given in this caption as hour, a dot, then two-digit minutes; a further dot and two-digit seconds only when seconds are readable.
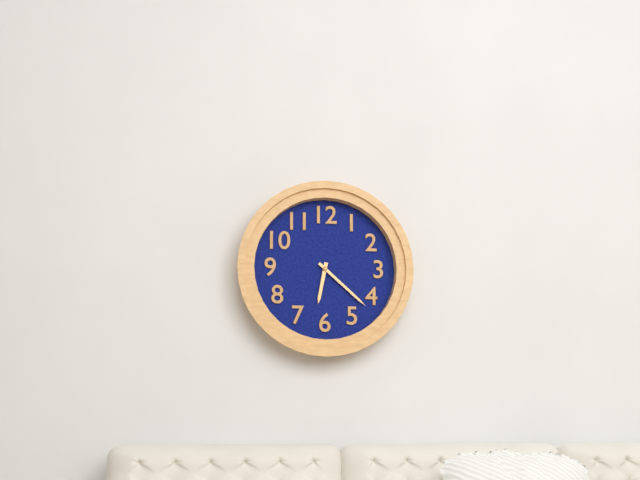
6.22
